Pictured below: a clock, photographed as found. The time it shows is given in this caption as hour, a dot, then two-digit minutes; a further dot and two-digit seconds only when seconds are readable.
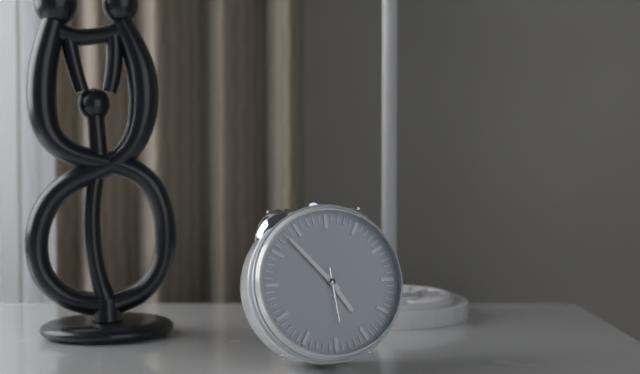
4.53.29
